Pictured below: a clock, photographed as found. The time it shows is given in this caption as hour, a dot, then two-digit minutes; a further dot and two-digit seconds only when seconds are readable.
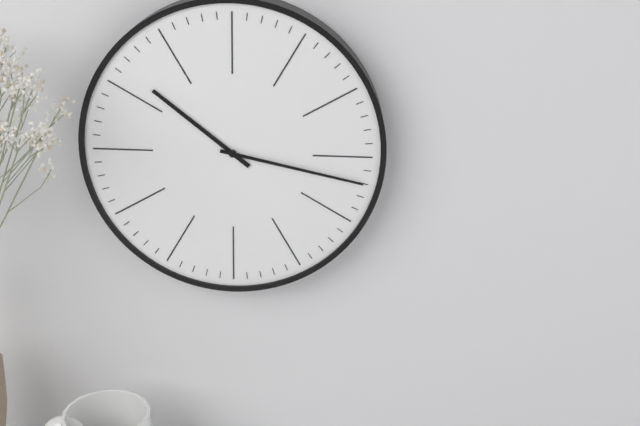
10.17
